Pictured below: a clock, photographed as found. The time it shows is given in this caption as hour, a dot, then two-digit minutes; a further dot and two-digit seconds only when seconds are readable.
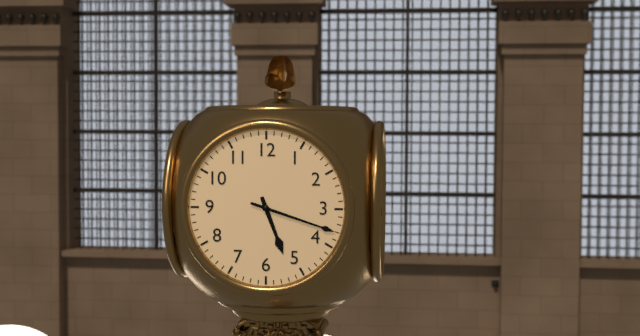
5.18
